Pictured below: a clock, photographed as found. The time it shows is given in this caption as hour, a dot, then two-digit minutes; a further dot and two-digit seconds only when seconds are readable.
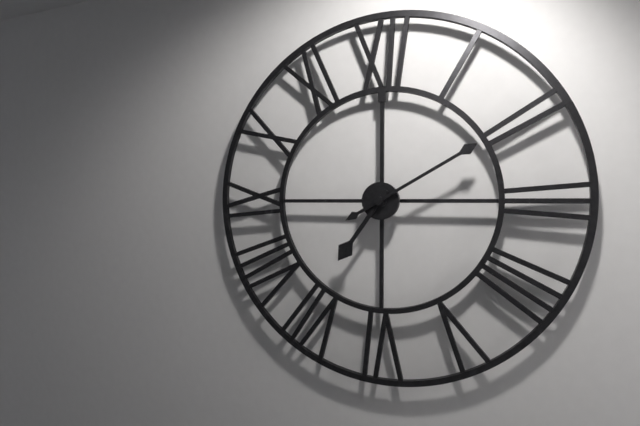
7.10
